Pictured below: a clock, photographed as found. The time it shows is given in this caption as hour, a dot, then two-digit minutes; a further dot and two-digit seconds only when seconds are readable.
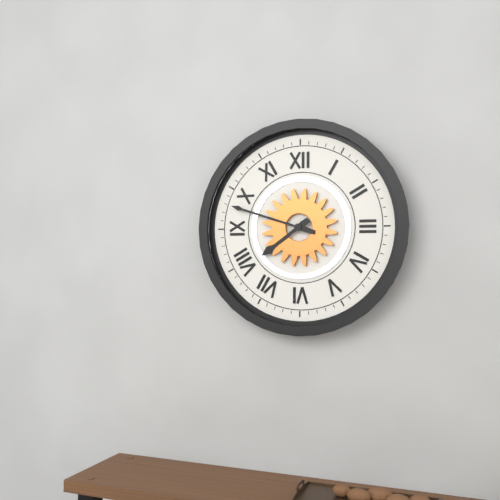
7.48
